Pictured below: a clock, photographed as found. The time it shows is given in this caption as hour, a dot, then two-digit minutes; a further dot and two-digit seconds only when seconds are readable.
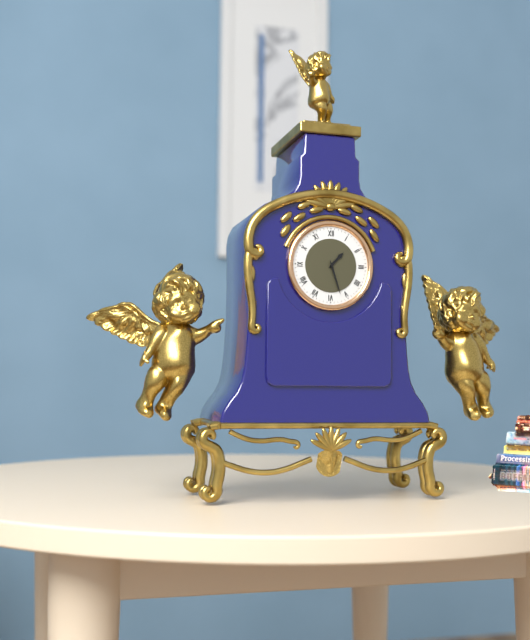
1.27
